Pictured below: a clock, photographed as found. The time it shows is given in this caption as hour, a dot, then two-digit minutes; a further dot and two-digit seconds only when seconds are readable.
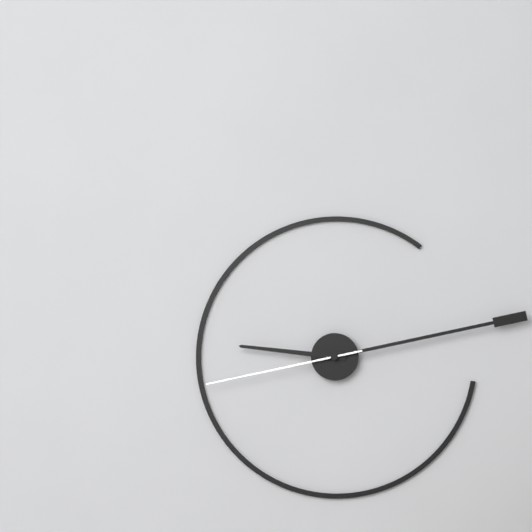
9.13.43
